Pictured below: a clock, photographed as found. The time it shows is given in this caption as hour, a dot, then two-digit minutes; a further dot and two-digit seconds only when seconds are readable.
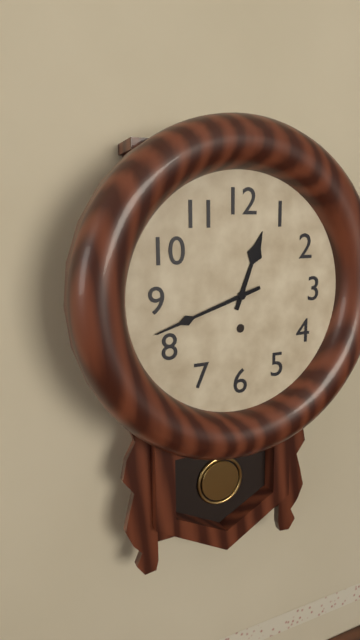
12.42
